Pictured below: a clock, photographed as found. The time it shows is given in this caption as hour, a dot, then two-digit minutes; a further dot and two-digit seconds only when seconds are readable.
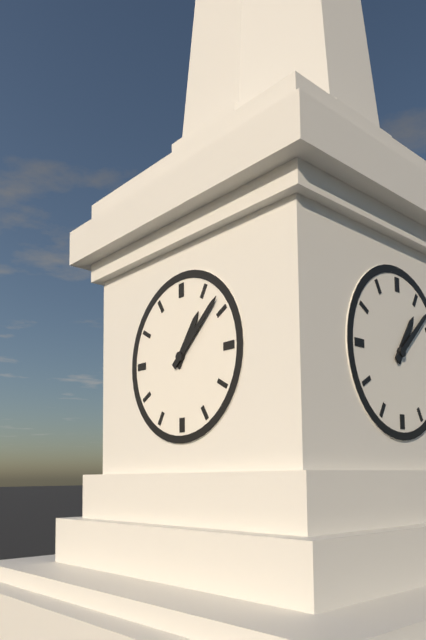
1.08
